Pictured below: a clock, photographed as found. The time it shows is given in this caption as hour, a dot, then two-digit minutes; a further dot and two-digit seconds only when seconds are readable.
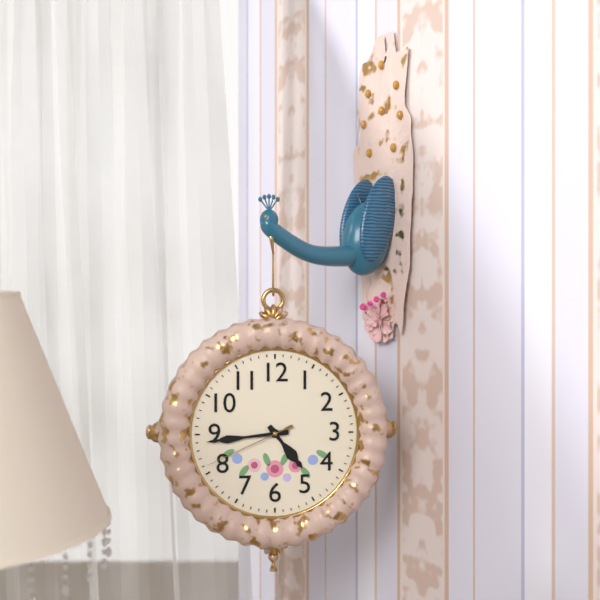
4.44.41
